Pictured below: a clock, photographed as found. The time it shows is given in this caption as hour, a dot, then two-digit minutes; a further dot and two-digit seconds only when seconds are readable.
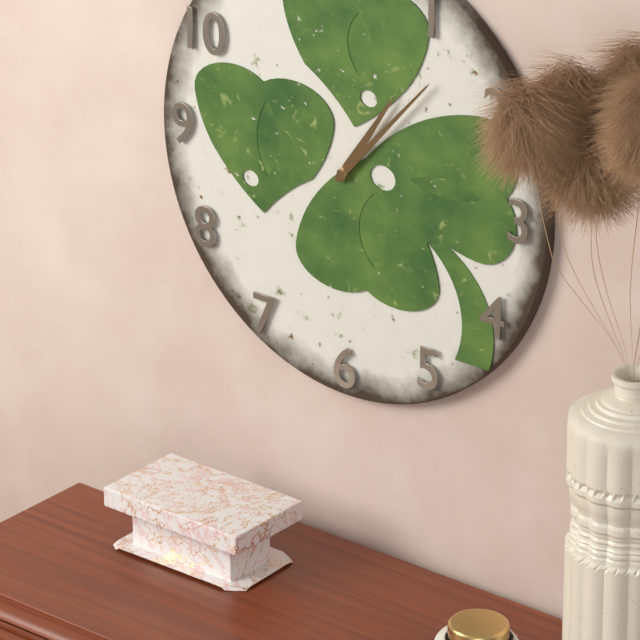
1.07
